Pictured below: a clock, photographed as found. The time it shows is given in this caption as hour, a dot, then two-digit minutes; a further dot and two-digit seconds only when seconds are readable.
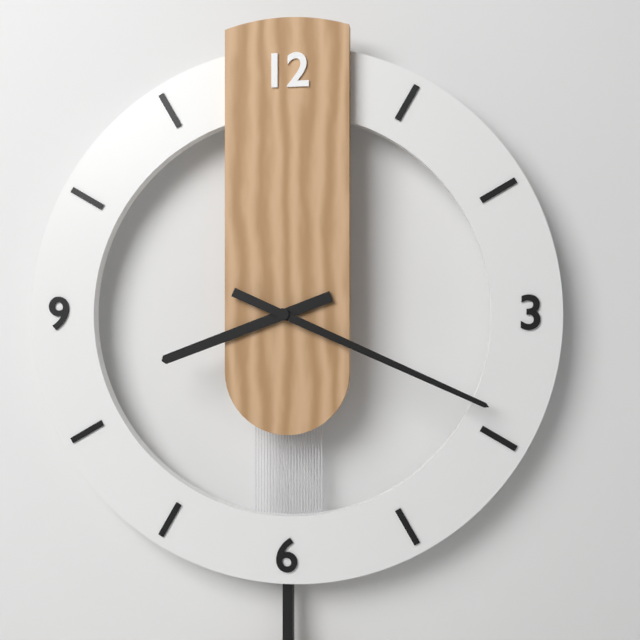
8.19
